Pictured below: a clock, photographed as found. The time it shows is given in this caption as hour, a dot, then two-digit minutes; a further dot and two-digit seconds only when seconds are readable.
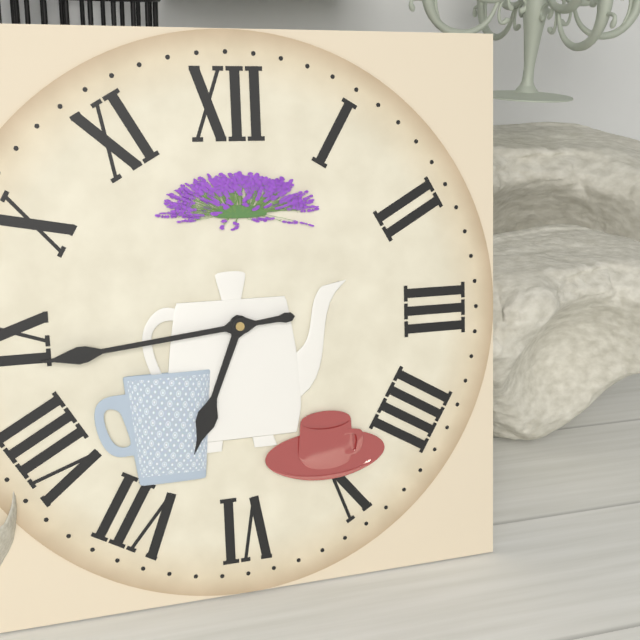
6.44
